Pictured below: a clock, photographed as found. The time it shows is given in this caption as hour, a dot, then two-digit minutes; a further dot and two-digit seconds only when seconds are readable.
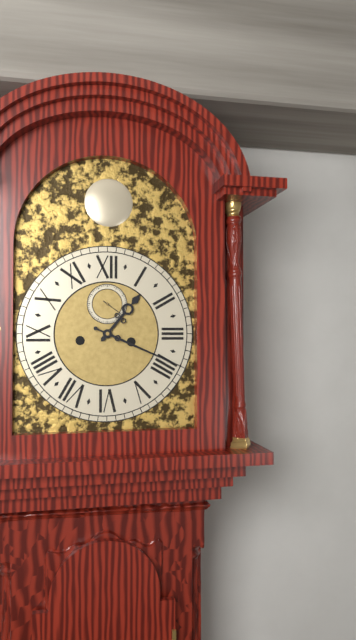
1.19
